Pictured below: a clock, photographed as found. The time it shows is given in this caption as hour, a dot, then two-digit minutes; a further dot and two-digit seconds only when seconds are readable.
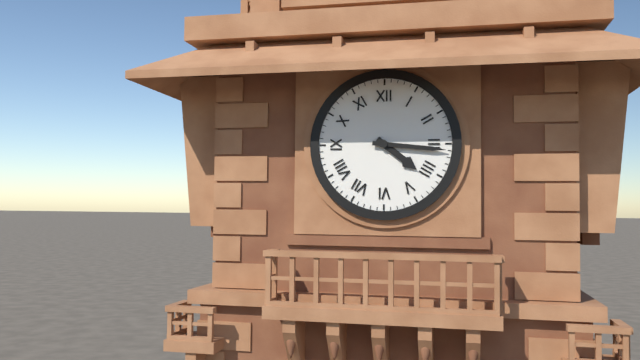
4.16
